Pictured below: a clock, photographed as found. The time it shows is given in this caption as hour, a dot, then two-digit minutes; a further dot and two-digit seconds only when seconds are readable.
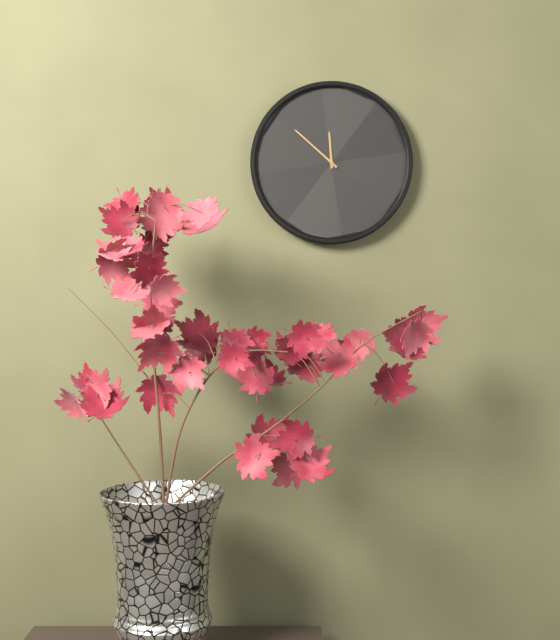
11.52
